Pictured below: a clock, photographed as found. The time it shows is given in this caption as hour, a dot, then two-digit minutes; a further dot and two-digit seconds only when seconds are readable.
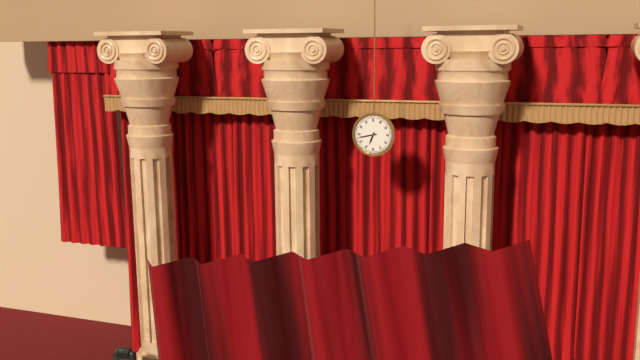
6.43
